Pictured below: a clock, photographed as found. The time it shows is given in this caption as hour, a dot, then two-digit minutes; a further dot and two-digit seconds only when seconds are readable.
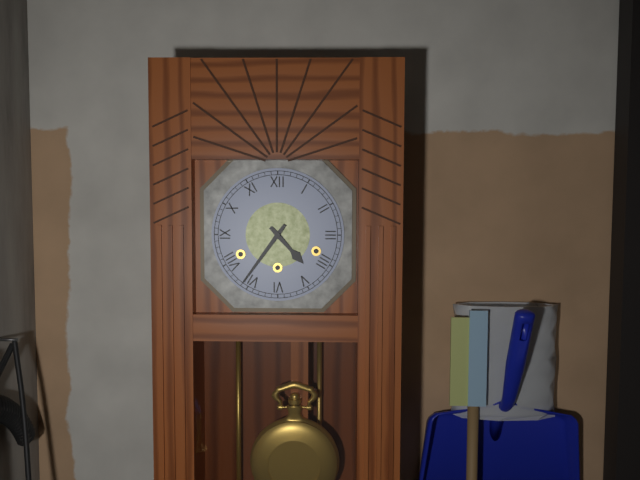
4.36
